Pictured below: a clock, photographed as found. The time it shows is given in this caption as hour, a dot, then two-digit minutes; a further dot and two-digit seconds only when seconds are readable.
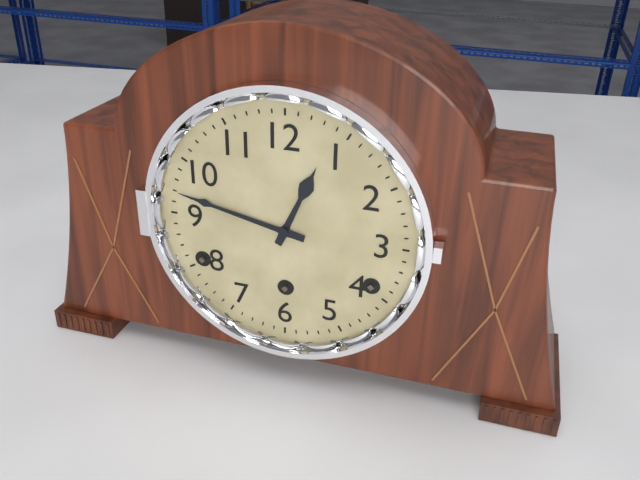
12.47
